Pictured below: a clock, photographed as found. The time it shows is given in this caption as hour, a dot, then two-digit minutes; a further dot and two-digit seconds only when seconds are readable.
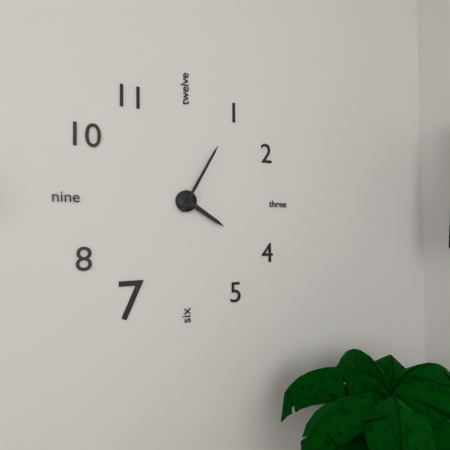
4.05
